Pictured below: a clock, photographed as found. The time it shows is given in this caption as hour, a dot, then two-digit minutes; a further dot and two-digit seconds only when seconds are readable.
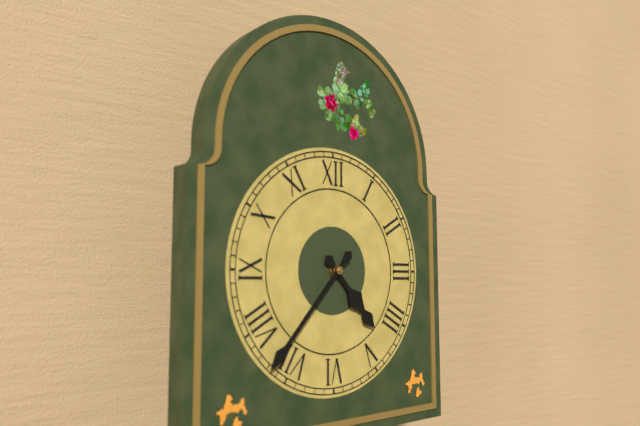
4.37
